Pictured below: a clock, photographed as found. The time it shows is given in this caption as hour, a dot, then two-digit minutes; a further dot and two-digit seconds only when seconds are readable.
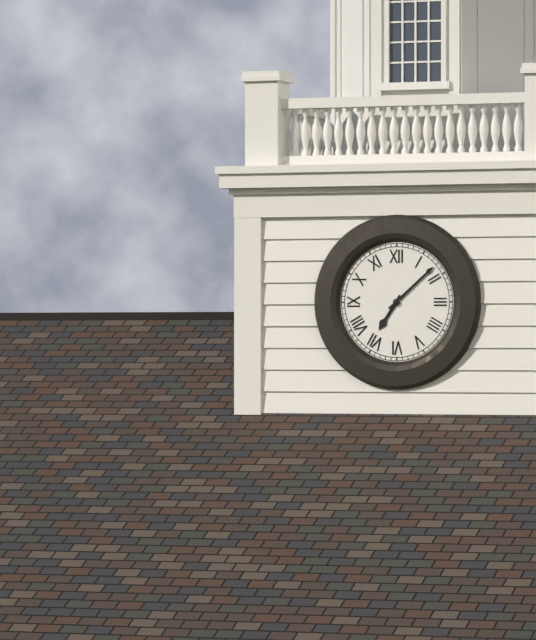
7.08
